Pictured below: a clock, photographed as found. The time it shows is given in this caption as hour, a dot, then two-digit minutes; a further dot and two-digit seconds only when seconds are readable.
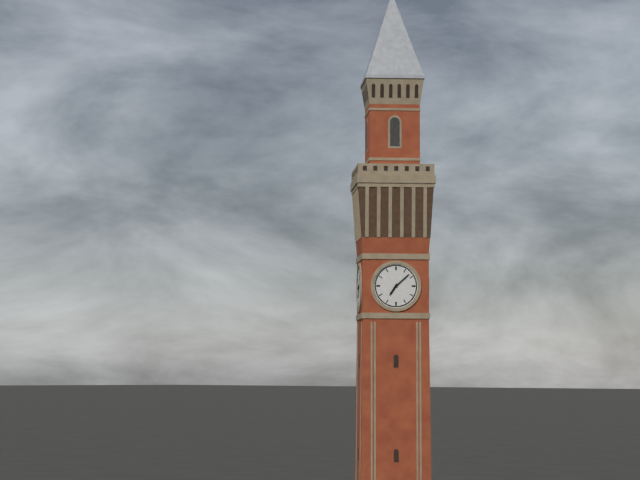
7.08
